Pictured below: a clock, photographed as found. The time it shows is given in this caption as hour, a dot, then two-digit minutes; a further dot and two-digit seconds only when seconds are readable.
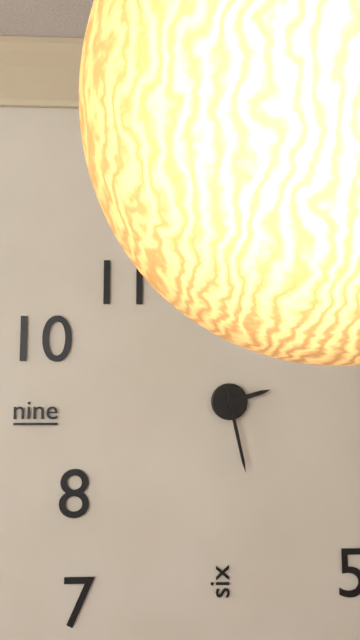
2.28
